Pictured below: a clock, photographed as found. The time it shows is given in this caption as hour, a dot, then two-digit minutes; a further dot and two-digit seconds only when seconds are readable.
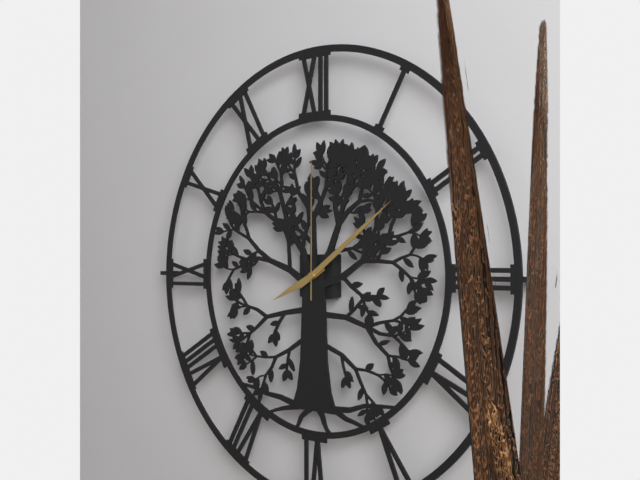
8.09.00
